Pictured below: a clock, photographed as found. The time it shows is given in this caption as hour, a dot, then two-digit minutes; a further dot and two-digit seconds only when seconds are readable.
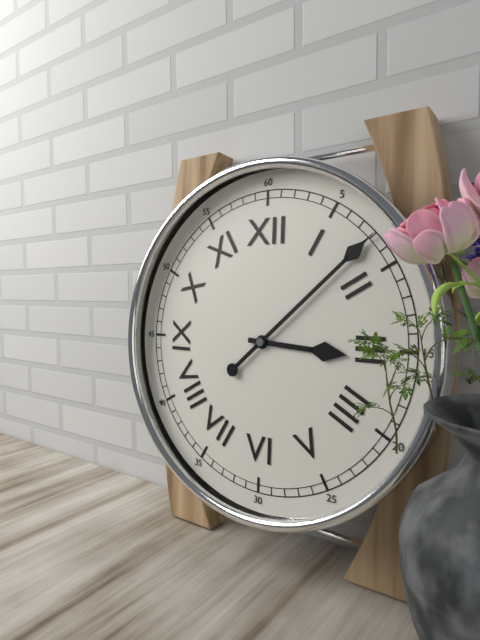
3.08
